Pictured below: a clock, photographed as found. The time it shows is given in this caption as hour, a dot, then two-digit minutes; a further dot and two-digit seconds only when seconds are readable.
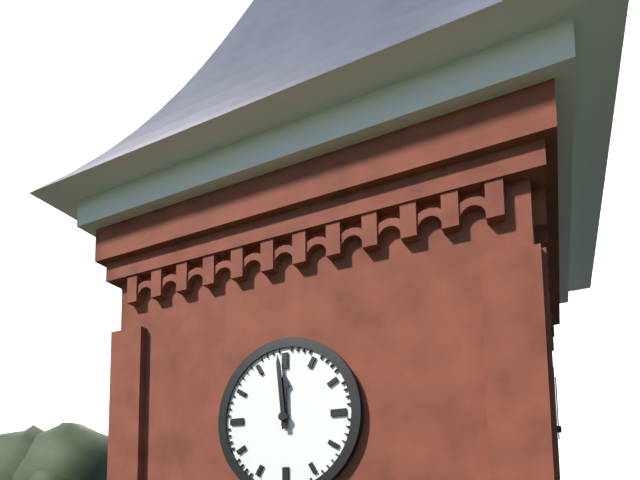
11.59
